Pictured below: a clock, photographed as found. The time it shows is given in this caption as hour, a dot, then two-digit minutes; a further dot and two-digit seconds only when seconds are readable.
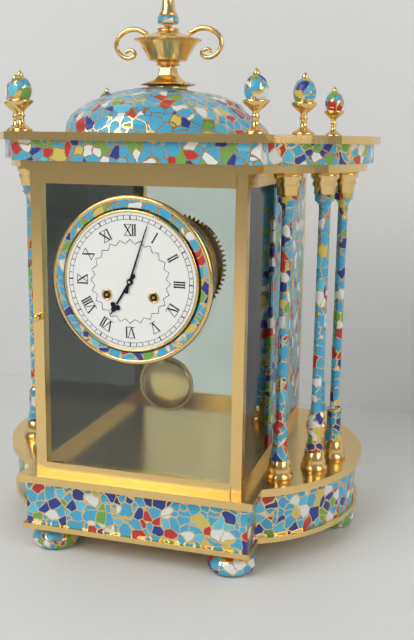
7.03
